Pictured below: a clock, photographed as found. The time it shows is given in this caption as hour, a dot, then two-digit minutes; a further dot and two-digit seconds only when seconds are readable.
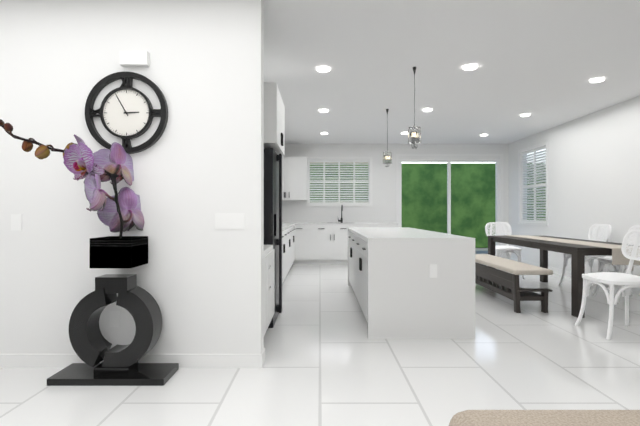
2.55
